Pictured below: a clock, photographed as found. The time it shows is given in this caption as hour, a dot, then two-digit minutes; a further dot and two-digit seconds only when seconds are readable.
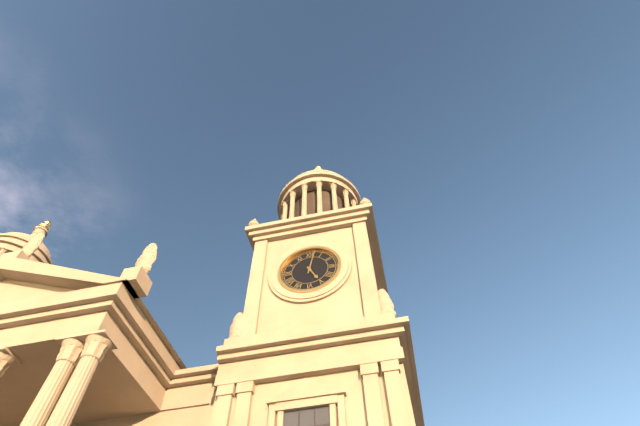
5.02
